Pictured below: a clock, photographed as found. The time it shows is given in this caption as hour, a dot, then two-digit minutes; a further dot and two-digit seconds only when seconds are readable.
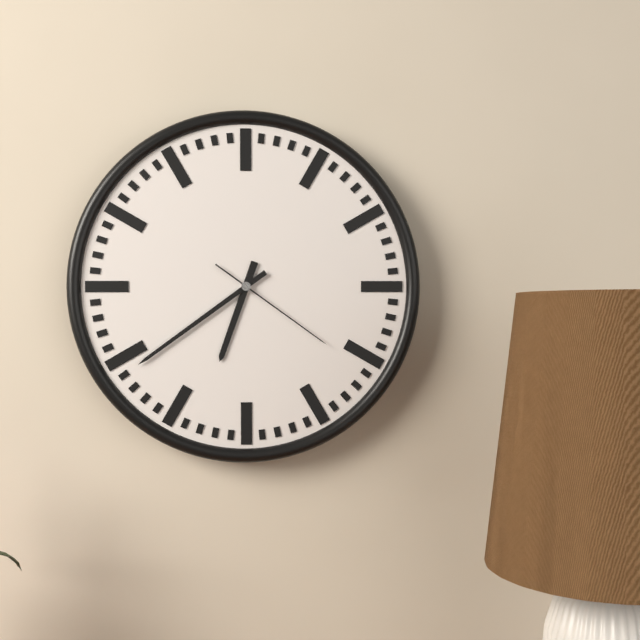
6.39.21
